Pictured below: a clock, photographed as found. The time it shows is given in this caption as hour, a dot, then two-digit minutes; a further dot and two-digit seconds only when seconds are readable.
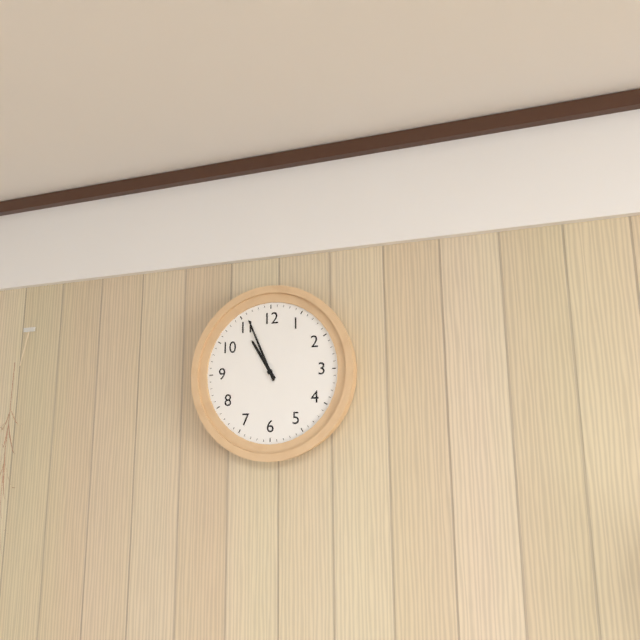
10.56
